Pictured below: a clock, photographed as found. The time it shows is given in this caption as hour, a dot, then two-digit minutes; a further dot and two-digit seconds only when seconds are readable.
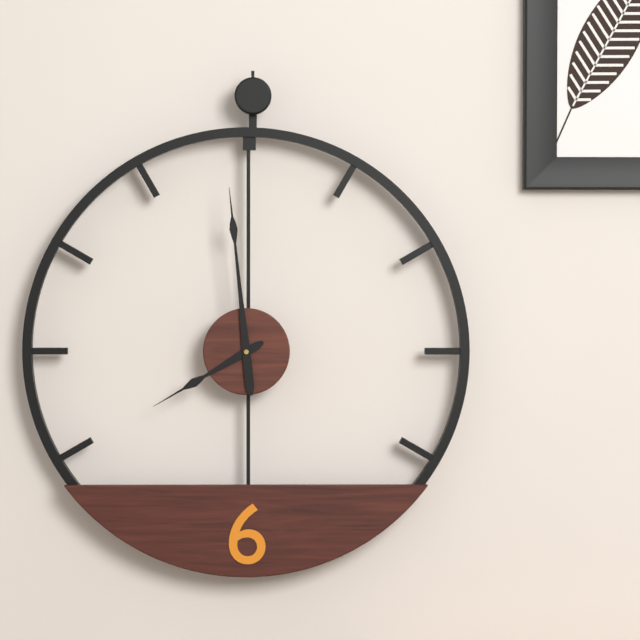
7.59
